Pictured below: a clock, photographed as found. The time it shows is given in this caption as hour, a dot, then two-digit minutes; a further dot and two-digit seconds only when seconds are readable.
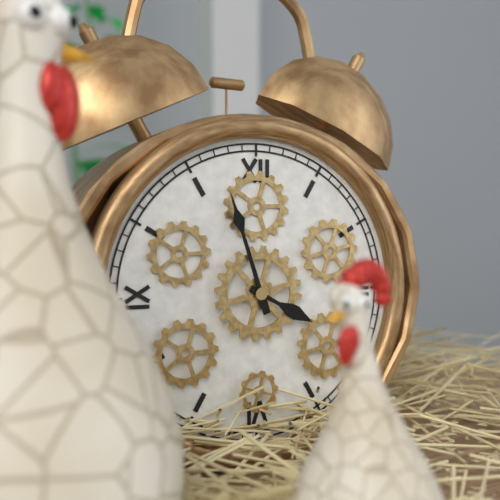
3.57
